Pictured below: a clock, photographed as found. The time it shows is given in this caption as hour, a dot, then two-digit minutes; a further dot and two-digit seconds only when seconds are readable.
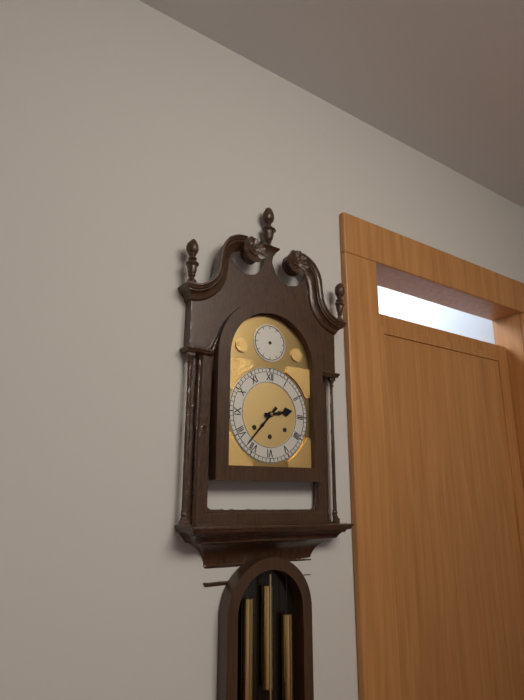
2.37
